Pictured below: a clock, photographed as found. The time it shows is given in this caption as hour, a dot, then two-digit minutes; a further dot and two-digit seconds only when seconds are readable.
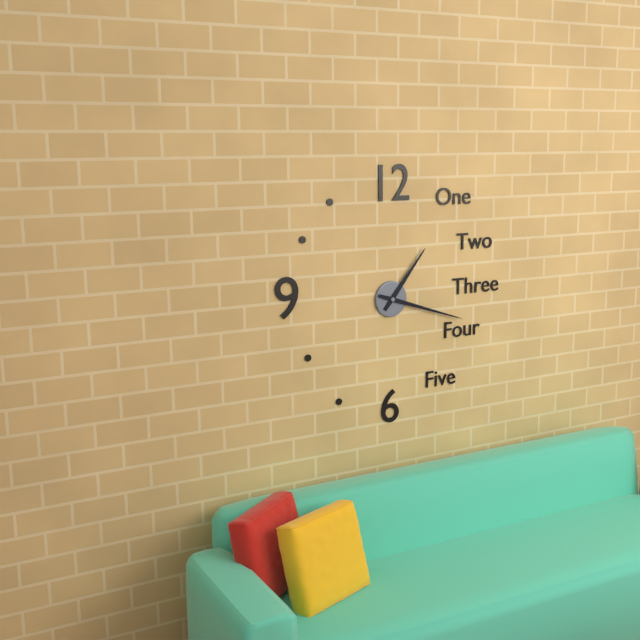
1.18
